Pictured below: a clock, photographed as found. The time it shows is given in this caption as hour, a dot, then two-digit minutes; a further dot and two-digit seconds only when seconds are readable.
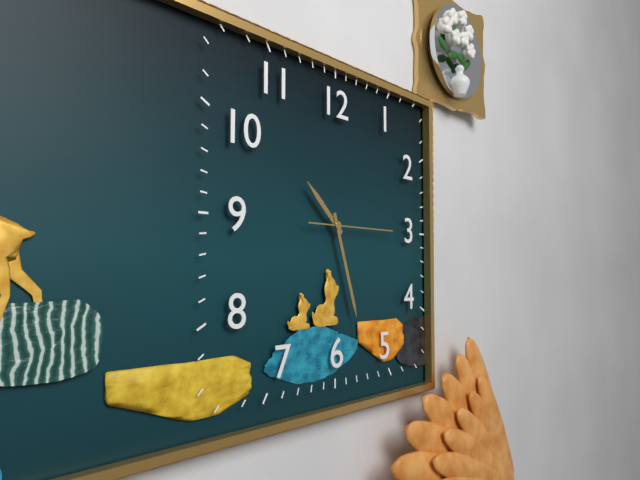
10.27.15
